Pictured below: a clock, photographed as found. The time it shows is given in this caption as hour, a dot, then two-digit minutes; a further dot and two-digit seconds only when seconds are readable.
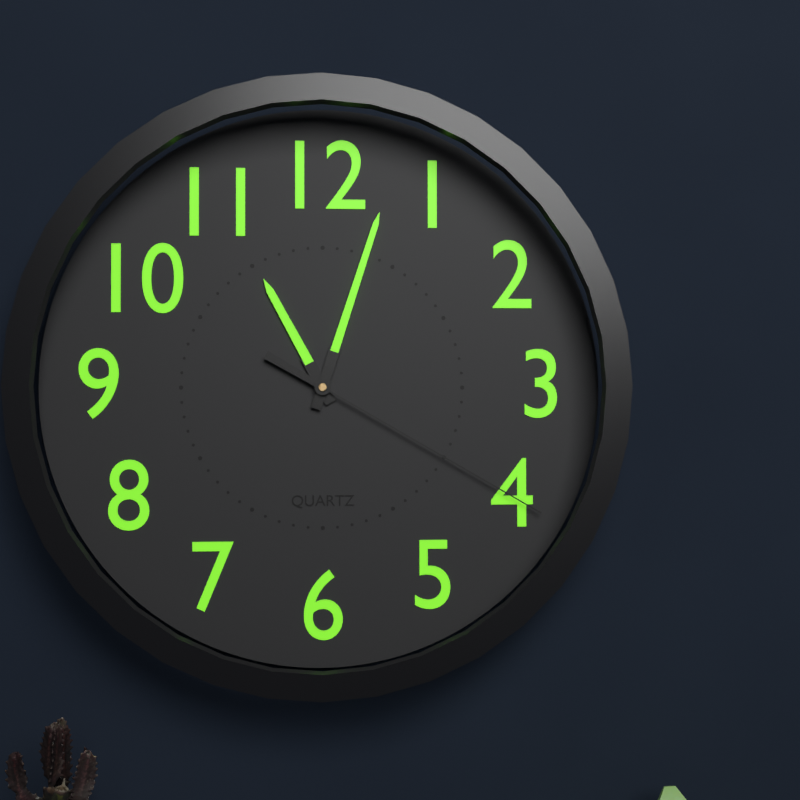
11.03.20
